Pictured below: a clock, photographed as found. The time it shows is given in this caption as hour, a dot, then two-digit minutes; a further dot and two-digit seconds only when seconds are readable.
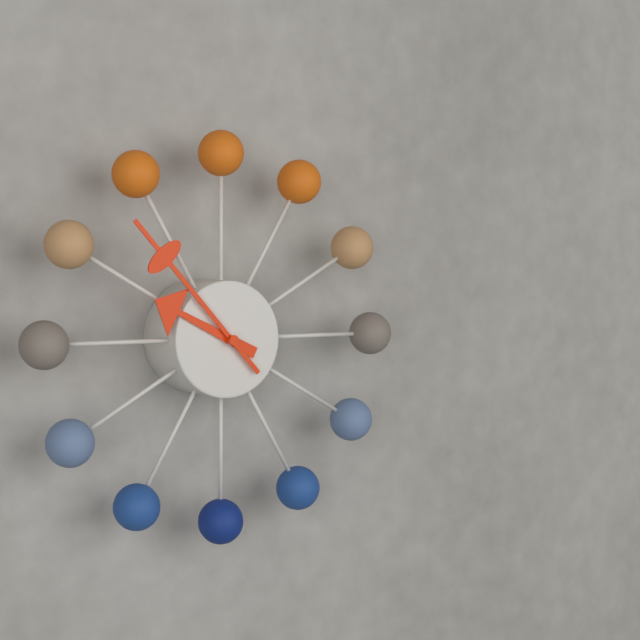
9.53
